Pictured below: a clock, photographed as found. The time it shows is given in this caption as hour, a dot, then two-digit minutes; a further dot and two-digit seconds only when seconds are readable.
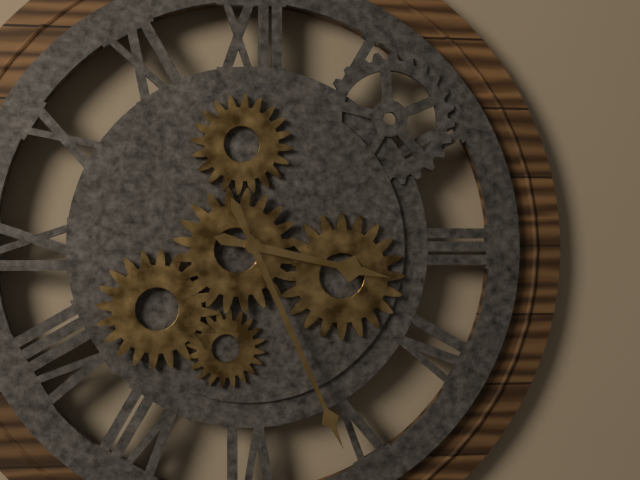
3.26
